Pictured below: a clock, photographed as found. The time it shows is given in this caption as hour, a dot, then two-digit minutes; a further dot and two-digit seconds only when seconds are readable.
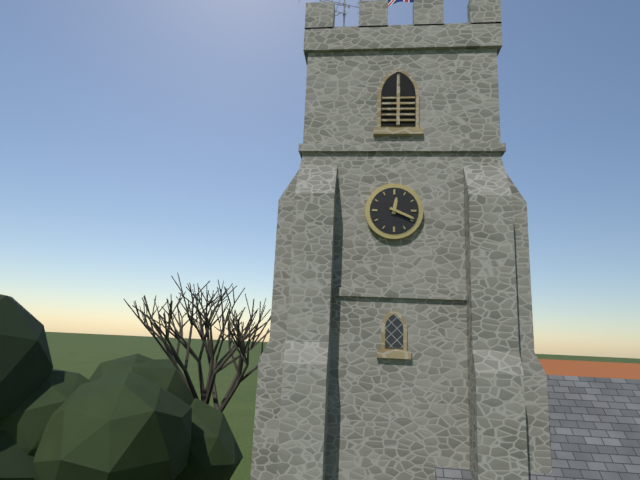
12.19
